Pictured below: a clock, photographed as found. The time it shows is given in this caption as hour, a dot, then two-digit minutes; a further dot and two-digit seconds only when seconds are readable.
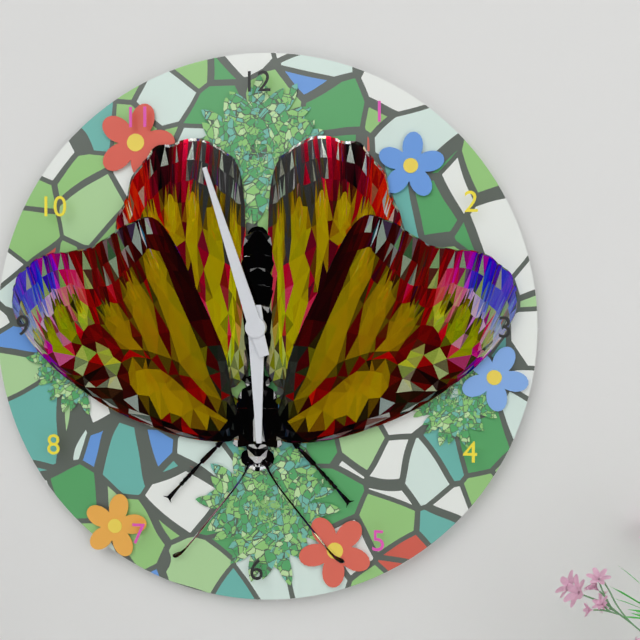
5.57
